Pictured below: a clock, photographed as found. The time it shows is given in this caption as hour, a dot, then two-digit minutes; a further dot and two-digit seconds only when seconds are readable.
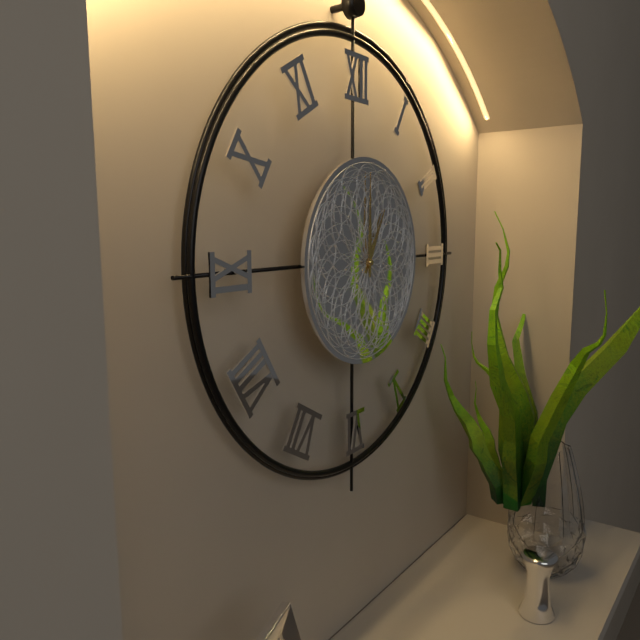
1.00
